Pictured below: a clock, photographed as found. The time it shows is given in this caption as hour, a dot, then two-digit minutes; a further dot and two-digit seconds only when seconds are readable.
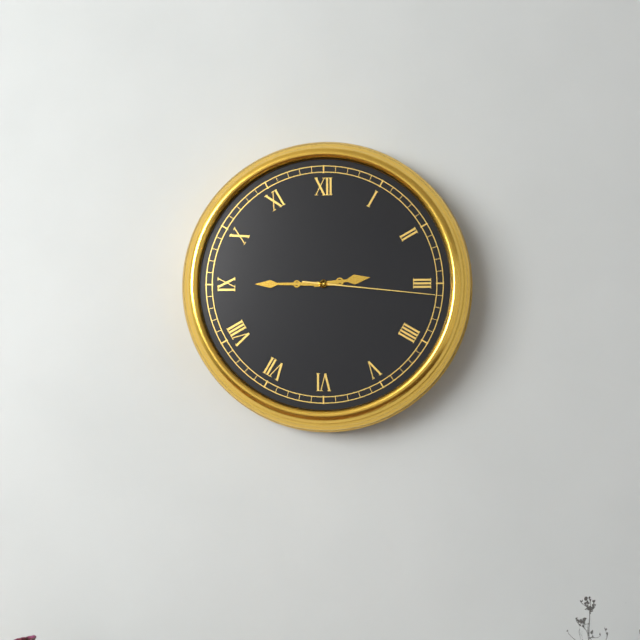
2.45.16
